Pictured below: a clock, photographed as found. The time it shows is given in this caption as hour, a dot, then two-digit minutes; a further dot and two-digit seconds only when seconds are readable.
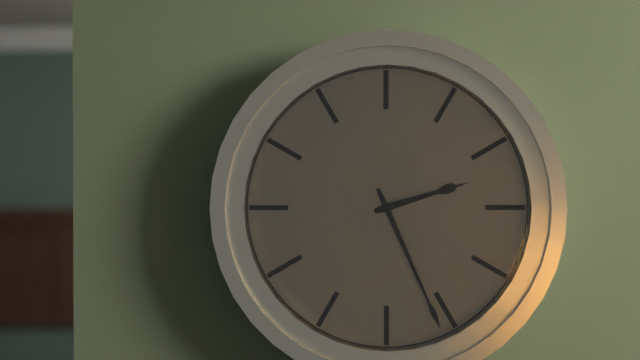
2.26
